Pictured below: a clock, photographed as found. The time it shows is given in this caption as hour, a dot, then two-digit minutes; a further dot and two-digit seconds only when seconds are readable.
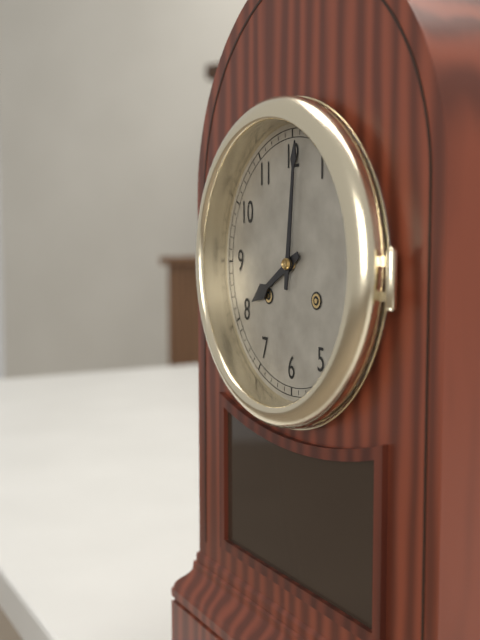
8.01
